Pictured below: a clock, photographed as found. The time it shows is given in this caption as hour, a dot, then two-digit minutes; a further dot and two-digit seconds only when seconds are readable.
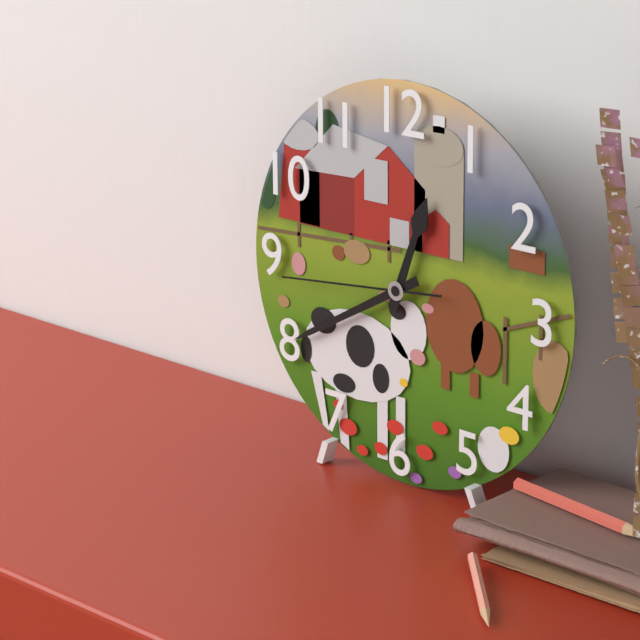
12.40.44
